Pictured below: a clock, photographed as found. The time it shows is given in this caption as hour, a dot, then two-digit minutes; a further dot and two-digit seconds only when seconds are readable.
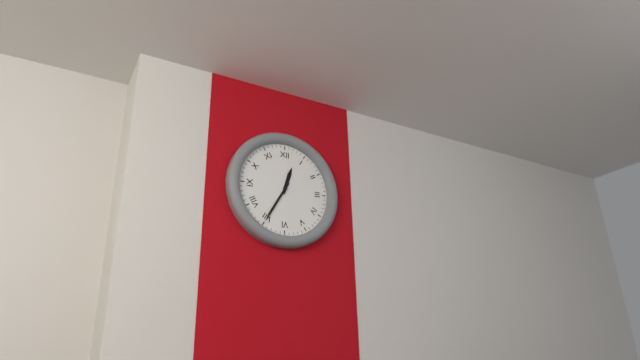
12.35
